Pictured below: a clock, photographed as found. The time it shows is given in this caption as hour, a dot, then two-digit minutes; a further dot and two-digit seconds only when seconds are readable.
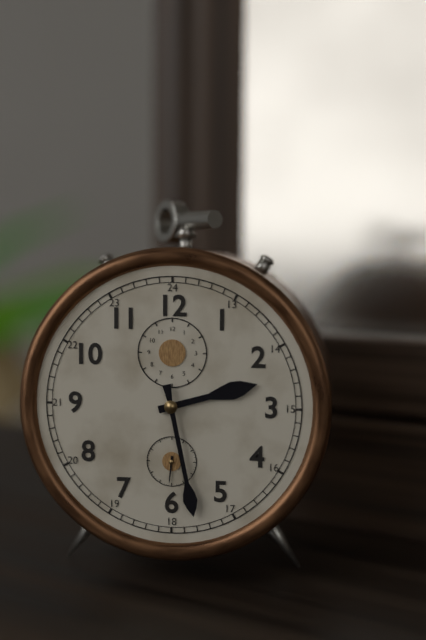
2.28
